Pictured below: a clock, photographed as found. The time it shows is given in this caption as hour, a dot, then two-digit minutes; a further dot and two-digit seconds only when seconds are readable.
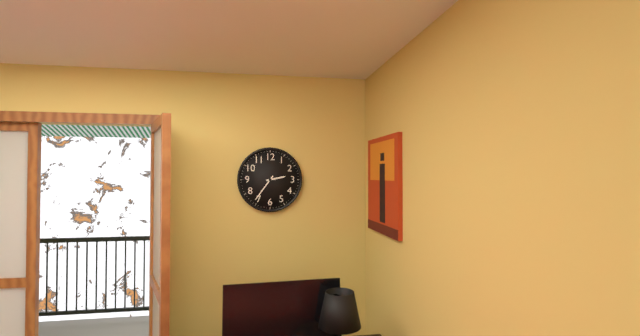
2.36
